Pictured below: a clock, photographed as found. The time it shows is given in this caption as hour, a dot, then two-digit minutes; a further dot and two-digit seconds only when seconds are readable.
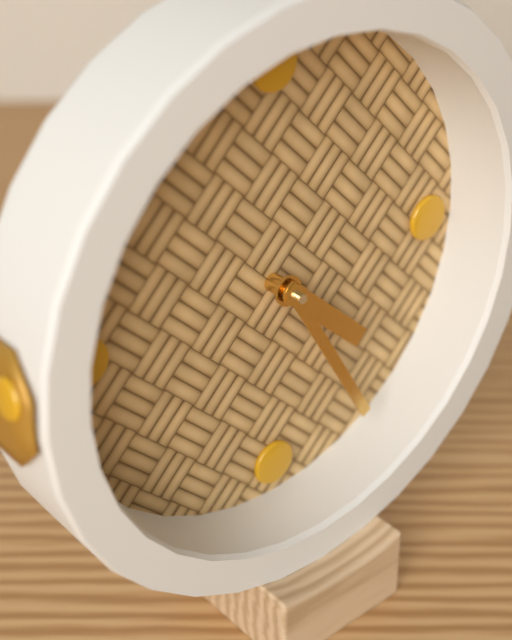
4.25
